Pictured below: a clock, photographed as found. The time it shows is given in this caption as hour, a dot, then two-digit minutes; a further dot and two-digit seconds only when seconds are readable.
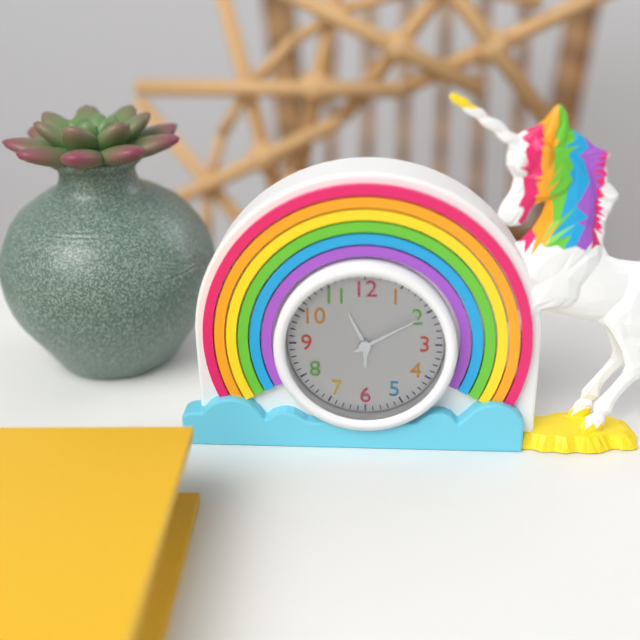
11.10
